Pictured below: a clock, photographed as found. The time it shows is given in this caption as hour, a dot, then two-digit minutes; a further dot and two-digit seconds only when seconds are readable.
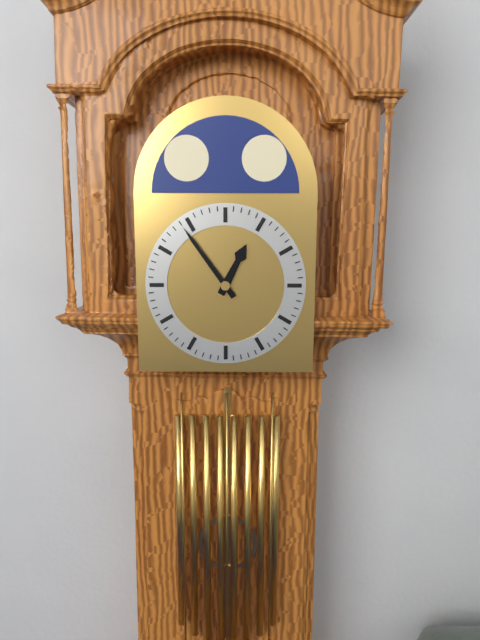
12.54
